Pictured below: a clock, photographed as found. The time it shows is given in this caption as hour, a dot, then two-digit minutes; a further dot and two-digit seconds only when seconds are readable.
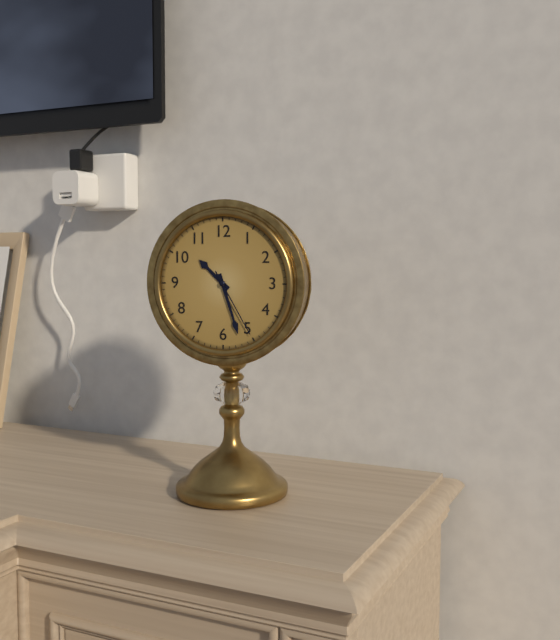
10.27.25
